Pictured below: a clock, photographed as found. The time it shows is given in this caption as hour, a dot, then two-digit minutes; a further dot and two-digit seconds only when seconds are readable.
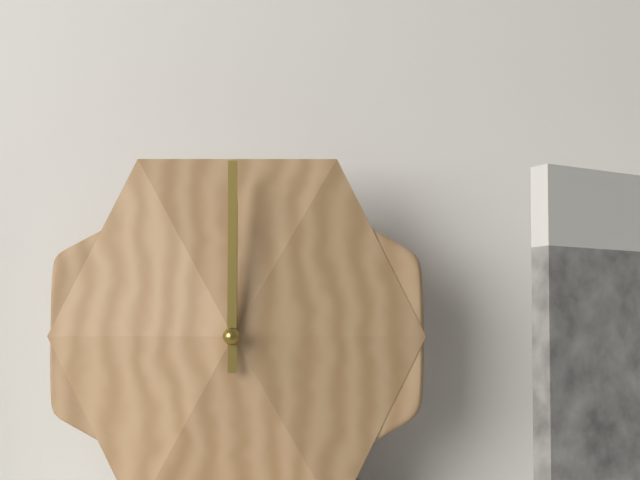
12.00
